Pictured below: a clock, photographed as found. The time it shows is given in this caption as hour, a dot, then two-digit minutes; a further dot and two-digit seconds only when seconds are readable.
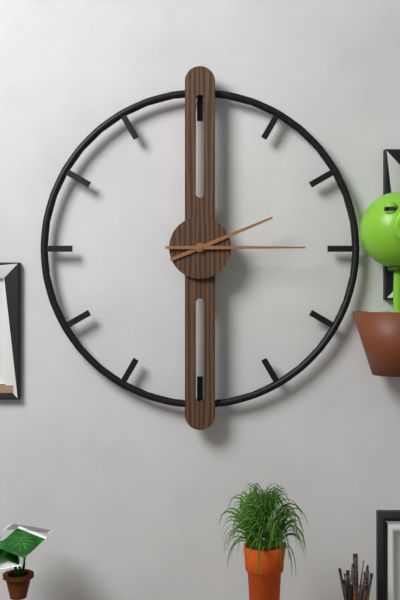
2.15
